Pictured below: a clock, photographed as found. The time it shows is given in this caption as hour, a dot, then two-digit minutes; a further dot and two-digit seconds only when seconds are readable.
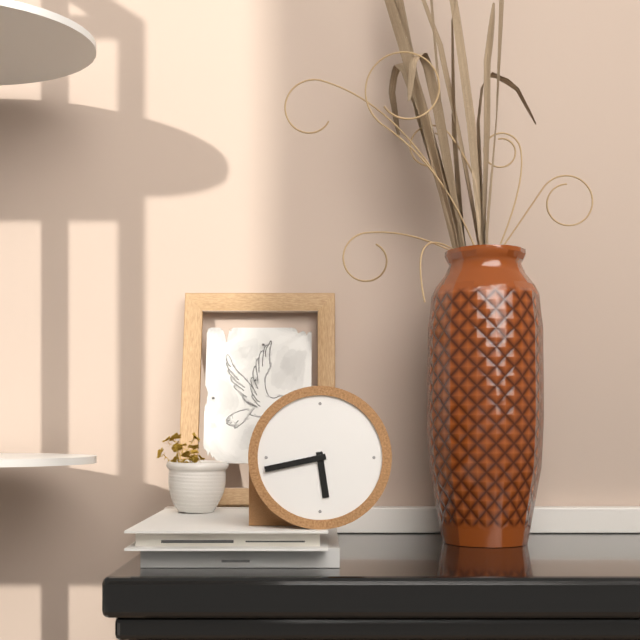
5.43
